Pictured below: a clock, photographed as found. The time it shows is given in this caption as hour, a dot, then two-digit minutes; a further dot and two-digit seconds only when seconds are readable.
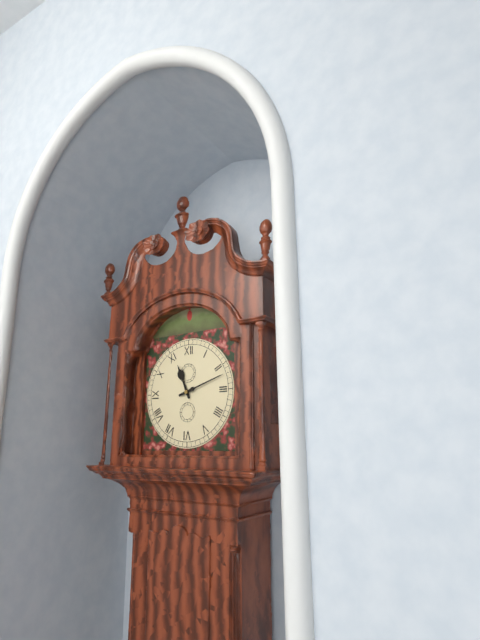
11.12
